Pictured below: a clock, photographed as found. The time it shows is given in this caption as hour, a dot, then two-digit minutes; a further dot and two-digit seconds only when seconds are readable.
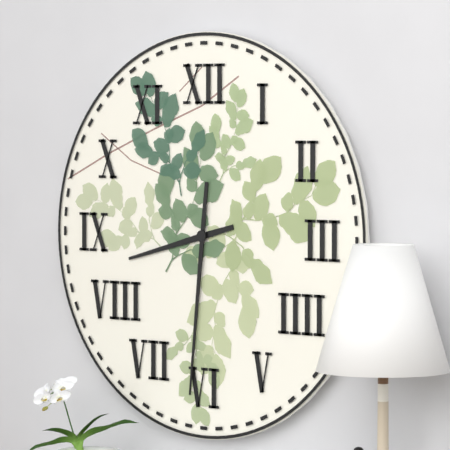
8.31
